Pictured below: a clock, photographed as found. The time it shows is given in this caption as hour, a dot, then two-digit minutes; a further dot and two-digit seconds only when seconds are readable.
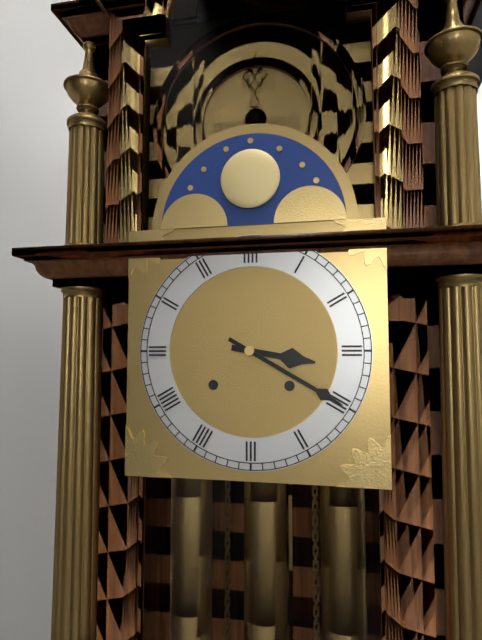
3.20
